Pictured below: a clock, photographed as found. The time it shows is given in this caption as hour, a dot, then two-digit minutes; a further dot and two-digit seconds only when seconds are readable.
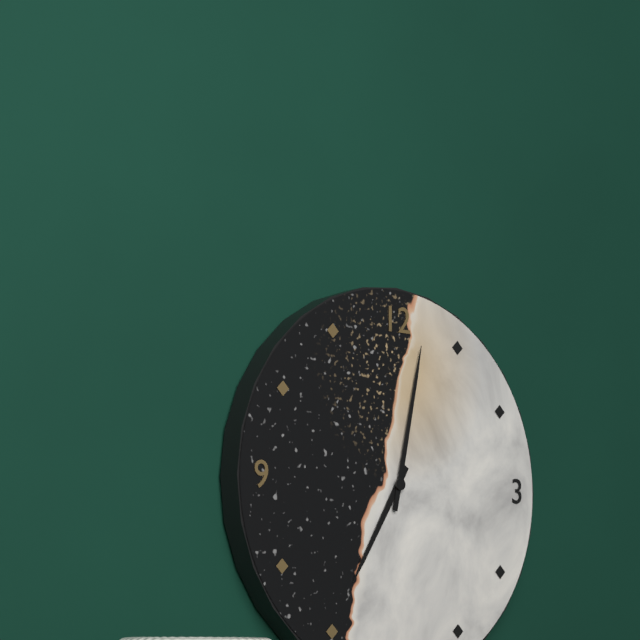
7.02
